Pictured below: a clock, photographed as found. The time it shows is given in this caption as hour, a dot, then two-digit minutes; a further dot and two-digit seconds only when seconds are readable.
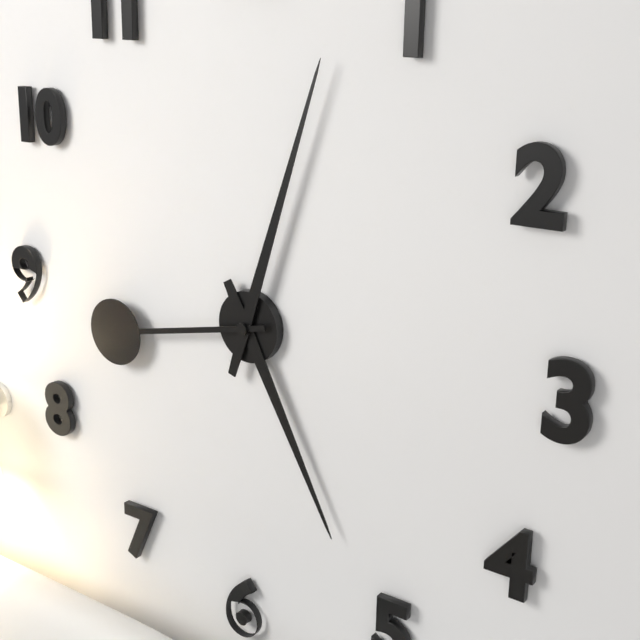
5.03.43
